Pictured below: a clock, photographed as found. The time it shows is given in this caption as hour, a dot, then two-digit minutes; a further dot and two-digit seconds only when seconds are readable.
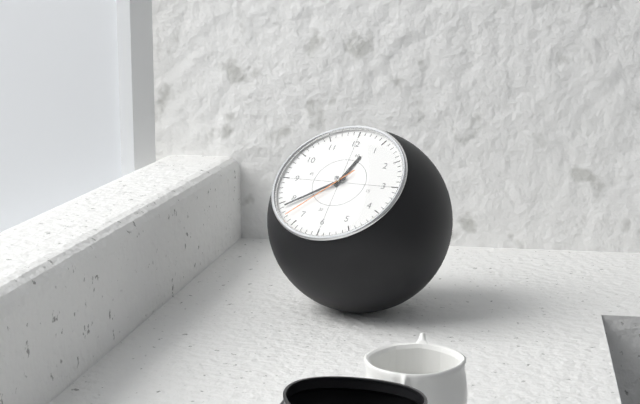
12.39.37
